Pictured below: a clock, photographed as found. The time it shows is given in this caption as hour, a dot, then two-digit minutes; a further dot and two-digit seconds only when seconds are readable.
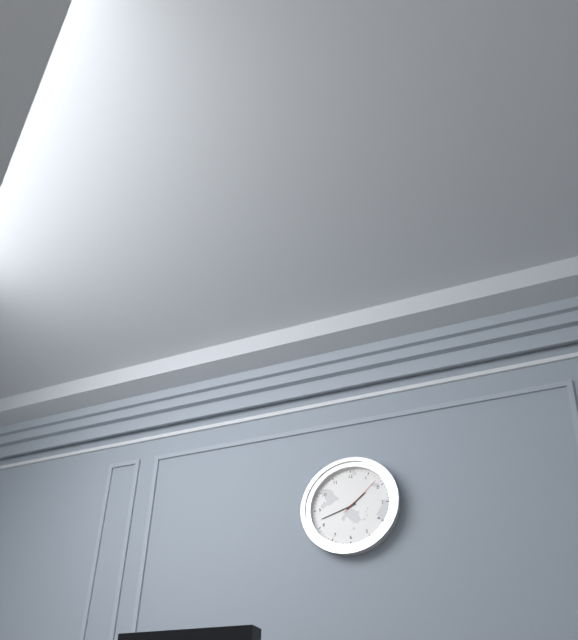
1.42
